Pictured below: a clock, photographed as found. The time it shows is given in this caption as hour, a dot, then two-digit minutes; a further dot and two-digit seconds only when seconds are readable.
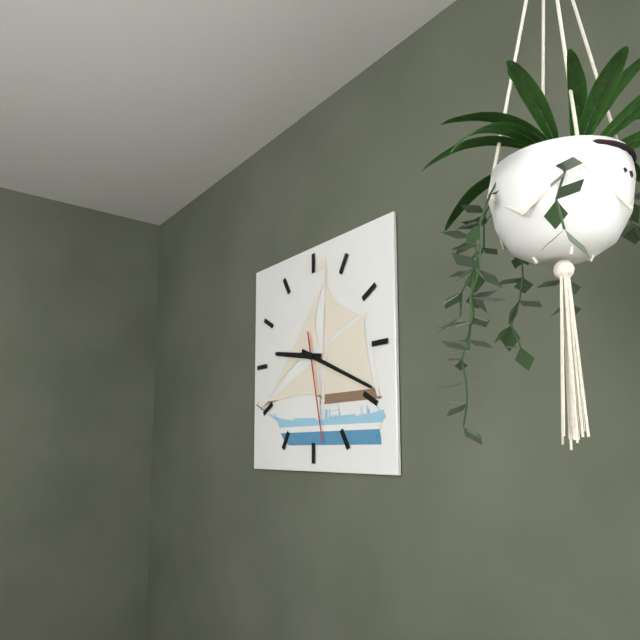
9.19.28
